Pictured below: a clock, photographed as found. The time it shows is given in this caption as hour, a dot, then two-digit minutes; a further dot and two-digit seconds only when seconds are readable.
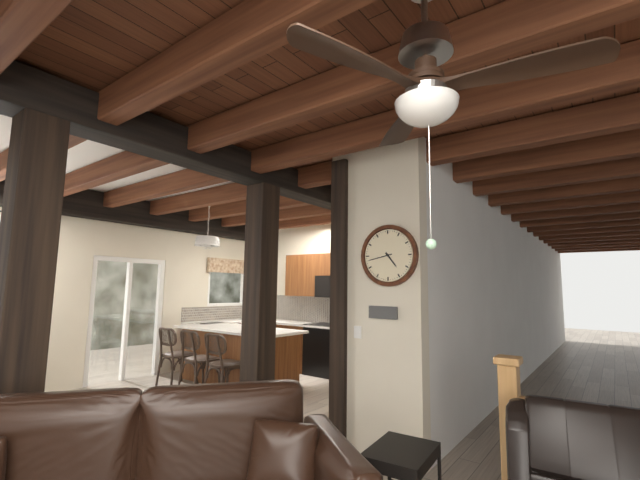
4.43
